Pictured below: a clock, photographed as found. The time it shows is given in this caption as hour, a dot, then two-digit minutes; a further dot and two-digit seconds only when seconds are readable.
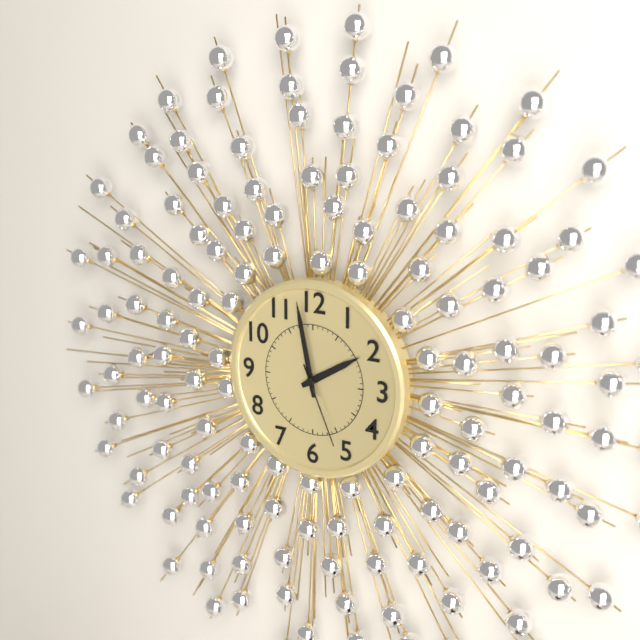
1.58.26
